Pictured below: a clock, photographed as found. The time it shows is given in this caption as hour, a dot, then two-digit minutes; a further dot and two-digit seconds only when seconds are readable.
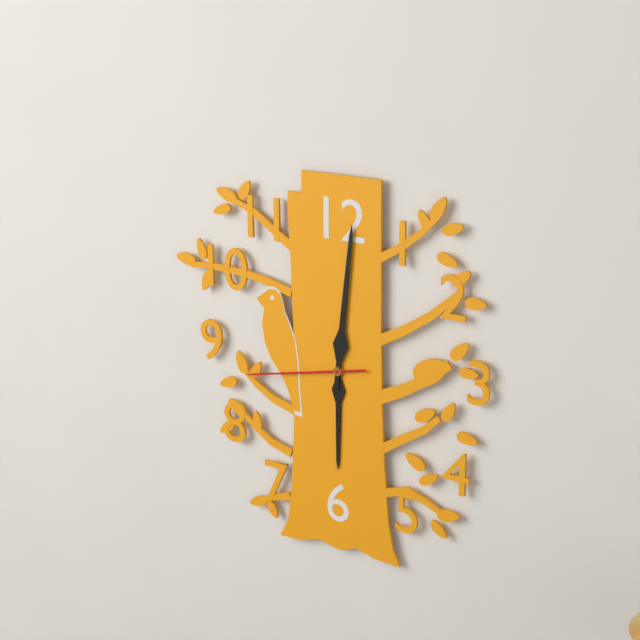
6.01.43
